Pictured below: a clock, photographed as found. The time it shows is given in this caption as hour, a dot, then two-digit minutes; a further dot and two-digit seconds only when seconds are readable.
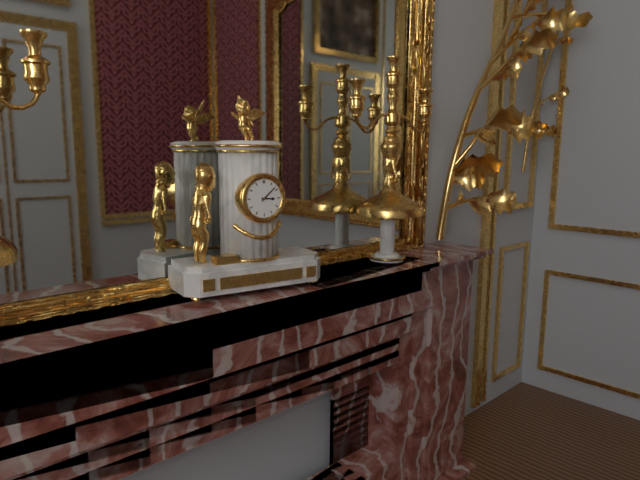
3.08
